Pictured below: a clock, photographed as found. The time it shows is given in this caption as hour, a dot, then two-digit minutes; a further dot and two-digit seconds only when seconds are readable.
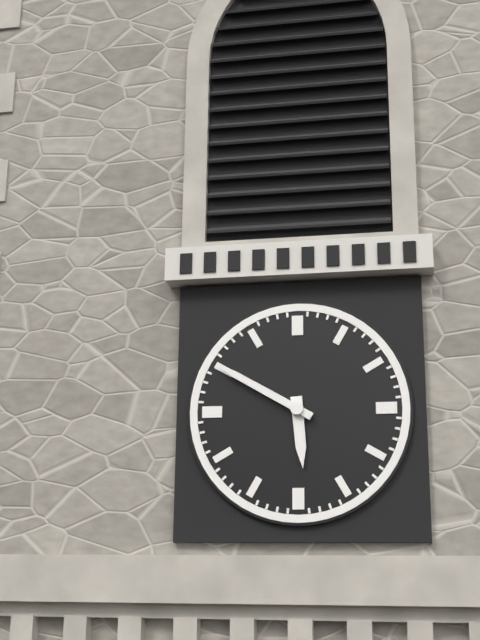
5.50
